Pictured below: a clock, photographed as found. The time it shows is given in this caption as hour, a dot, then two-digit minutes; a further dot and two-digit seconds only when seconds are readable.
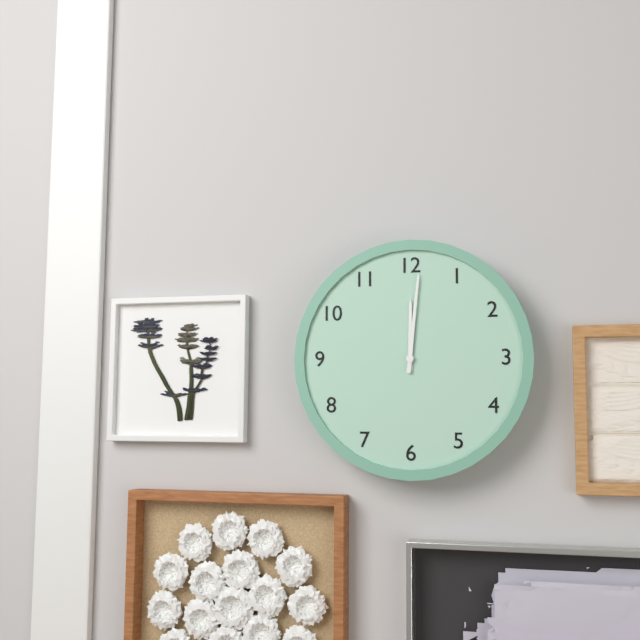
12.01
